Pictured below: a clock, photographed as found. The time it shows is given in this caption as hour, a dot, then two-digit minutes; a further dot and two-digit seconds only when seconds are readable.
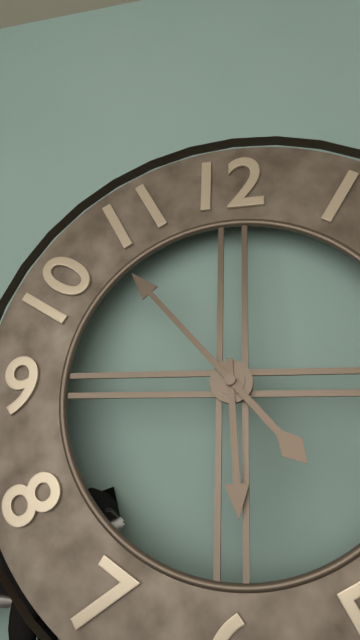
5.53
